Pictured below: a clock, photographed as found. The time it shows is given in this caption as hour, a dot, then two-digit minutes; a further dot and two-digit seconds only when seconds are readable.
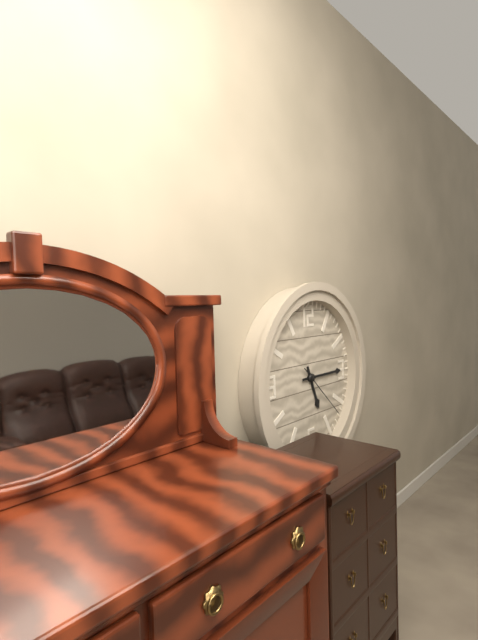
5.15.22
